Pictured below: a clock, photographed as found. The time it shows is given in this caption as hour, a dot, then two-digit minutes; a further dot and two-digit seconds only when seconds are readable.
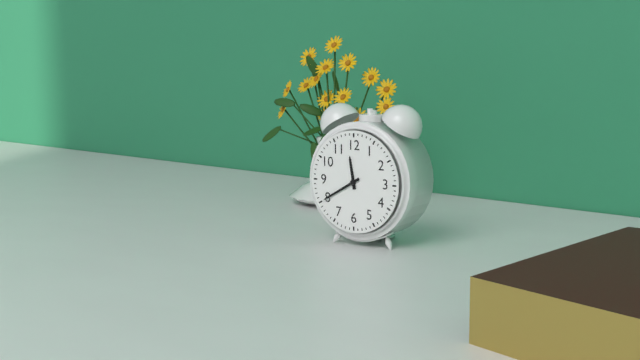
11.40
